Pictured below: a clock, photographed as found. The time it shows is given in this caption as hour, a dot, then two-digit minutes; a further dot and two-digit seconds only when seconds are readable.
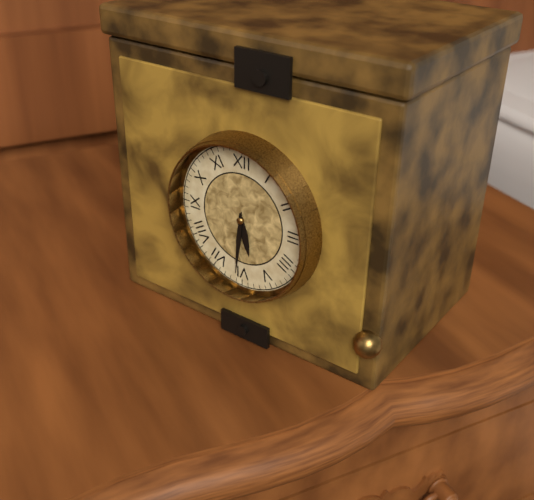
5.31
